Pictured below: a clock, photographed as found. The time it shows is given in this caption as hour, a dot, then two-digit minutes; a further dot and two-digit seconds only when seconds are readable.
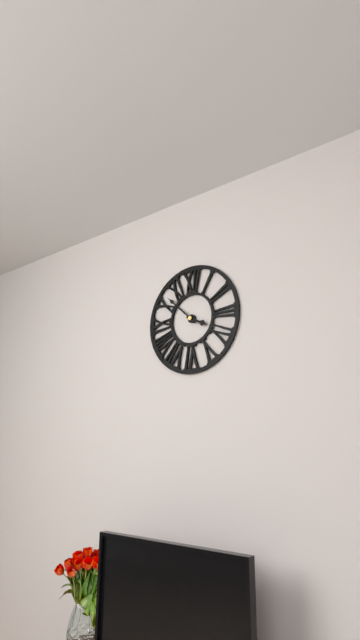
3.52
